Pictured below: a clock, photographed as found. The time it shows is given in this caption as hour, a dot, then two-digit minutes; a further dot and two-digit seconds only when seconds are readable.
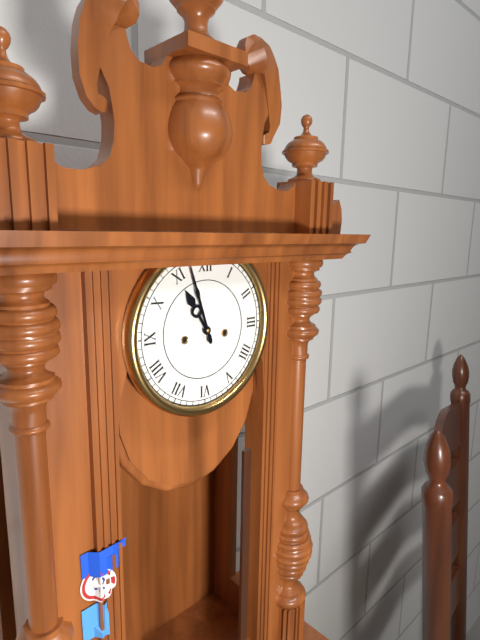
10.57
